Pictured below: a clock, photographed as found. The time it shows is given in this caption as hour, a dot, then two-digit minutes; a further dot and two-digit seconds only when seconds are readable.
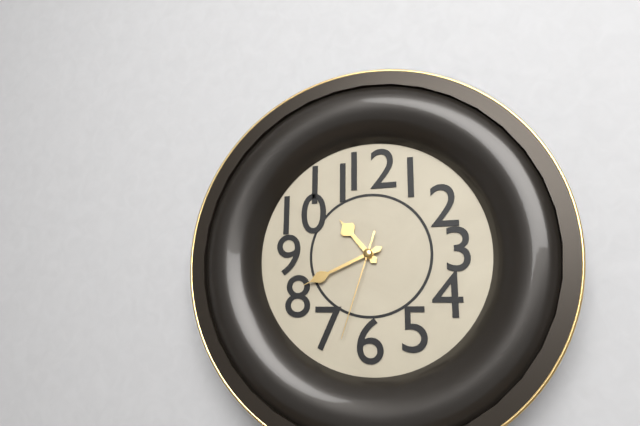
10.41.33
